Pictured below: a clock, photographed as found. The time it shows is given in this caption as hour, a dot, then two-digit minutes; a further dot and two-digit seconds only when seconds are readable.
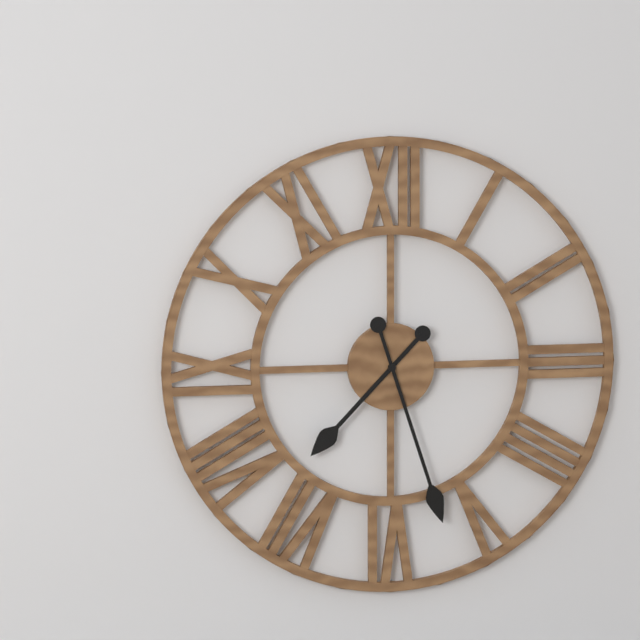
7.27
